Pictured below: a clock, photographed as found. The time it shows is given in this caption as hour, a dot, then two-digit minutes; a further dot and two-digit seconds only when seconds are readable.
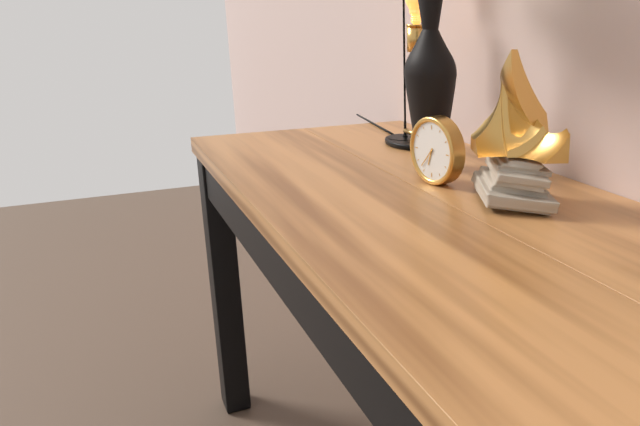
6.37
